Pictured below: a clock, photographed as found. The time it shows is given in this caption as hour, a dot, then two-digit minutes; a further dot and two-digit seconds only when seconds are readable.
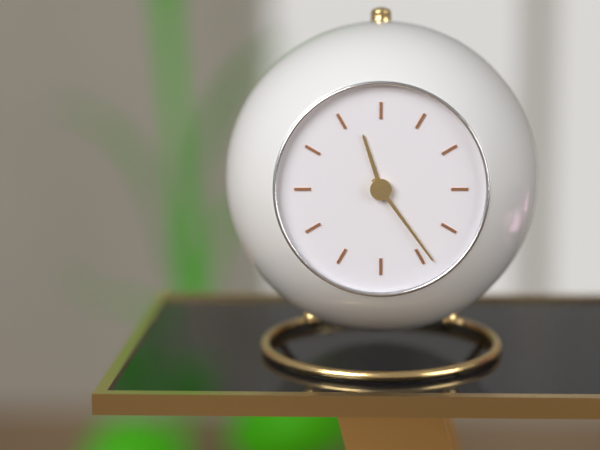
11.24
